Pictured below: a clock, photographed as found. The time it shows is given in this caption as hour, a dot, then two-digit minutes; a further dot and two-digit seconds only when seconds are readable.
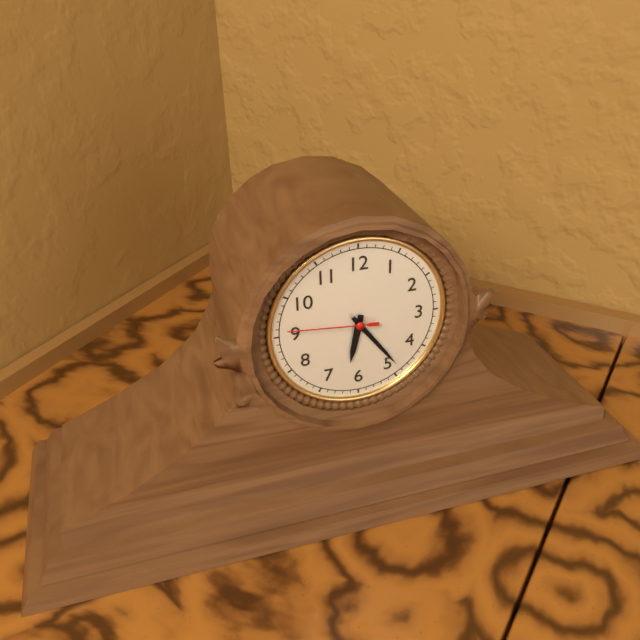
6.24.46
